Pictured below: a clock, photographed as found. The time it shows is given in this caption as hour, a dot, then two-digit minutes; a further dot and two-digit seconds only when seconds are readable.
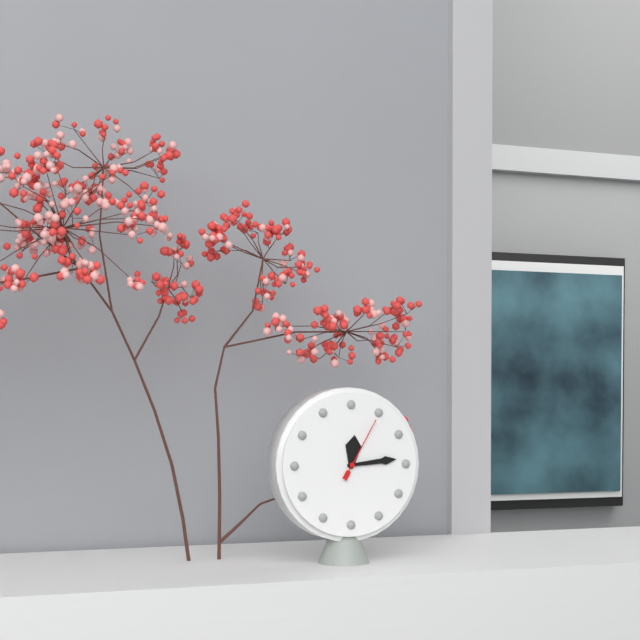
12.14.05
